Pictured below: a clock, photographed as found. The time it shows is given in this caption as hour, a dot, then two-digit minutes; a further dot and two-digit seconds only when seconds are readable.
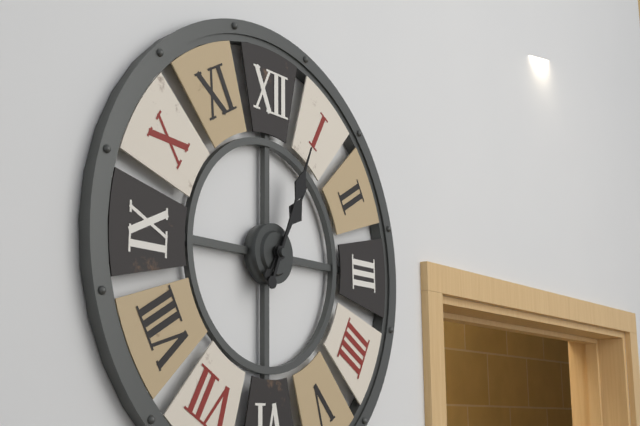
1.04
